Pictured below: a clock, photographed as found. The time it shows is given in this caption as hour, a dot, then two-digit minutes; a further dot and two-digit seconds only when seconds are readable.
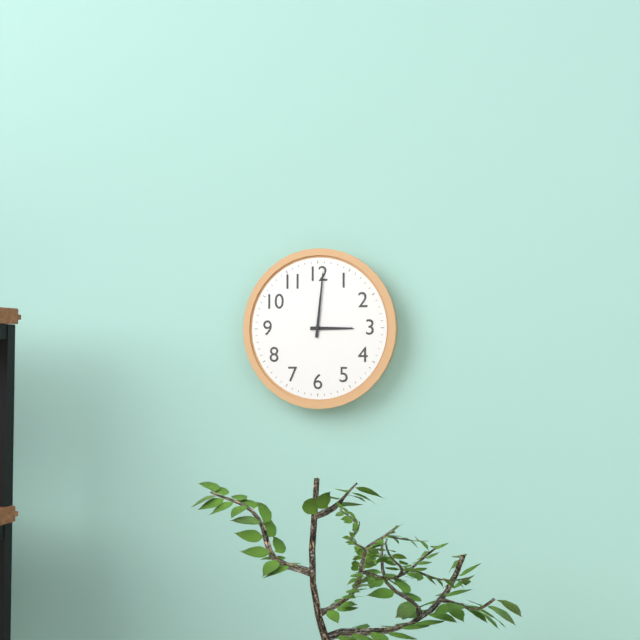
3.01
